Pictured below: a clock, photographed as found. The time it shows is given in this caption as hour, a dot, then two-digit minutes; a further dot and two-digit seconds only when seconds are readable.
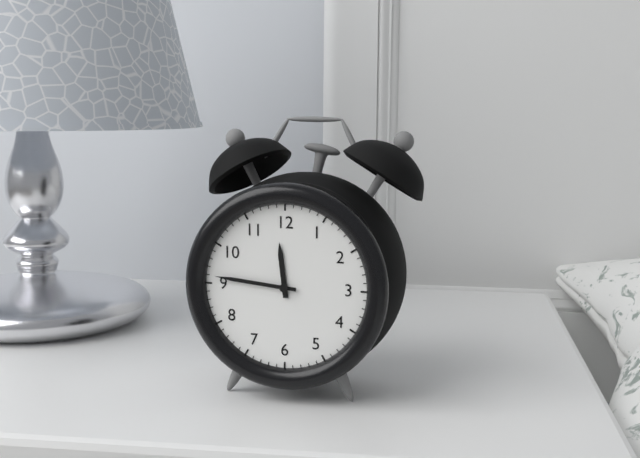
11.46
